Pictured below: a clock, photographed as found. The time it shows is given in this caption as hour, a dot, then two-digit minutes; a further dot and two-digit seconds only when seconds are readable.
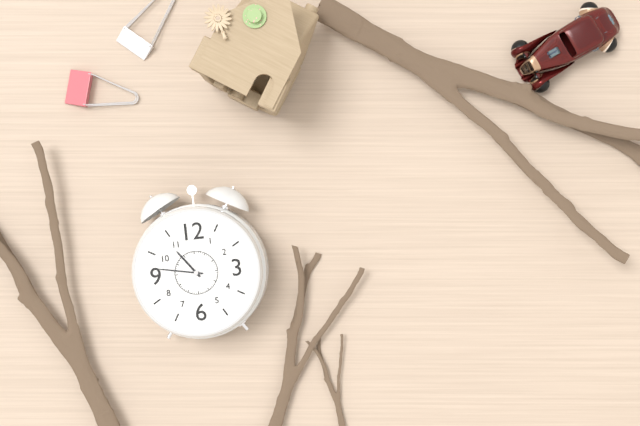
10.47
